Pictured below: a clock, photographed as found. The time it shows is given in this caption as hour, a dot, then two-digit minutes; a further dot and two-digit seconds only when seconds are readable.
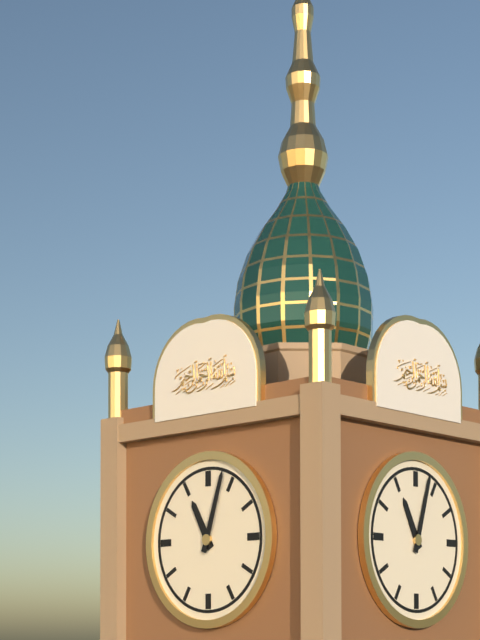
11.03
